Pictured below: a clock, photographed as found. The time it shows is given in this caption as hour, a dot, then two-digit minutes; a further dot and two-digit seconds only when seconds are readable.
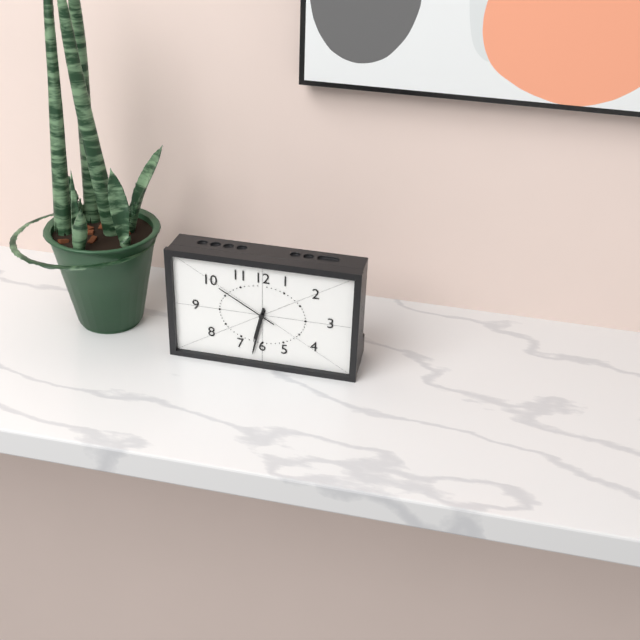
6.32.50
